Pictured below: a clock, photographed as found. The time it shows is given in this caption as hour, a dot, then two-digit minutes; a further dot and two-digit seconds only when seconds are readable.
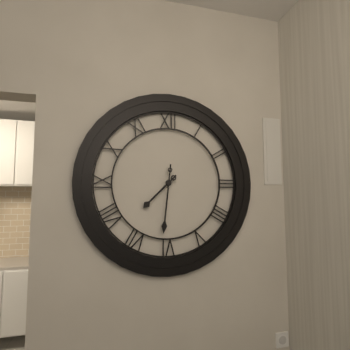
7.31
